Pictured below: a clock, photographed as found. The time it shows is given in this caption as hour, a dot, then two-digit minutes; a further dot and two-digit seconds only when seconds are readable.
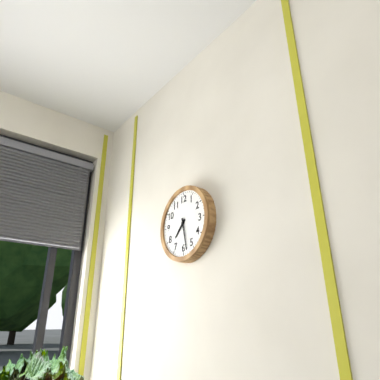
7.28
